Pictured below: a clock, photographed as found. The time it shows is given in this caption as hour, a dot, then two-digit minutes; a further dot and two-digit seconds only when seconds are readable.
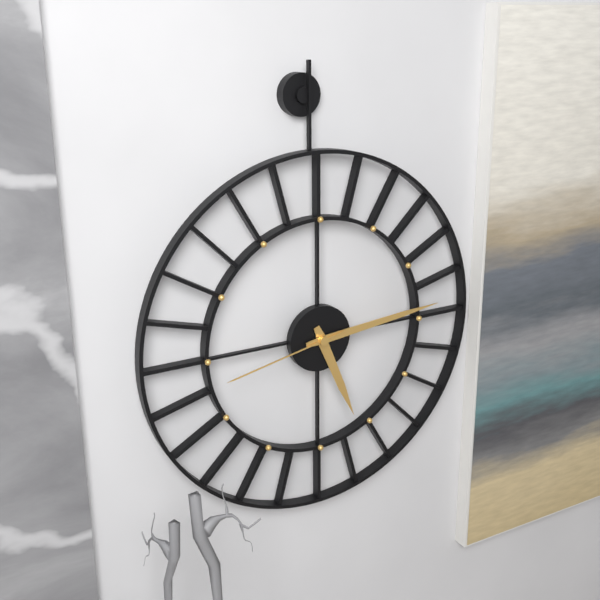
5.14.43
